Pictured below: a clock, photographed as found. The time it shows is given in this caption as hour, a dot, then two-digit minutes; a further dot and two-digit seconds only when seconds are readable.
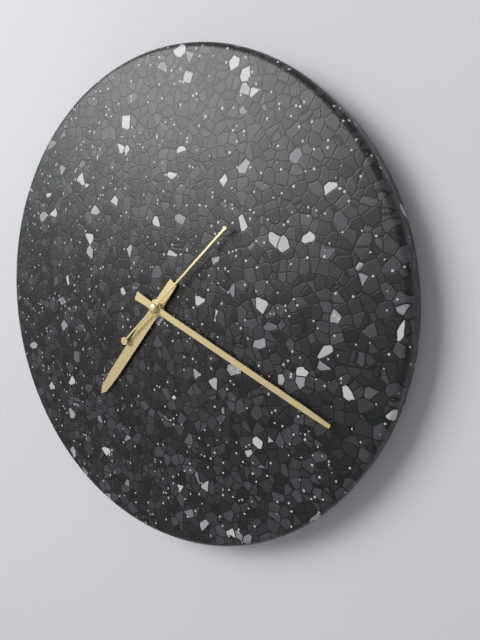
7.19.08
